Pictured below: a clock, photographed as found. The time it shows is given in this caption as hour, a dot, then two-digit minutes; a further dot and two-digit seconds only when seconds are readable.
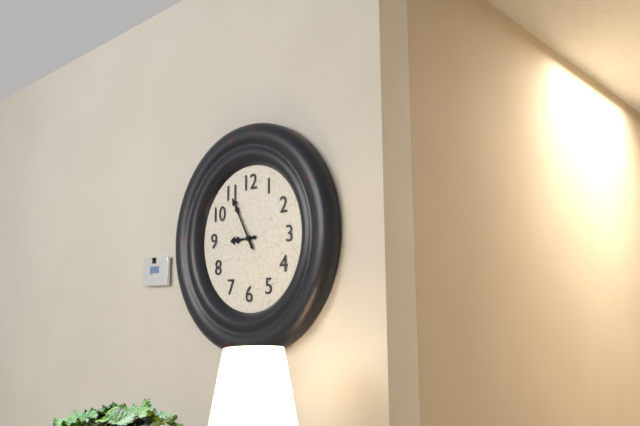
8.55
